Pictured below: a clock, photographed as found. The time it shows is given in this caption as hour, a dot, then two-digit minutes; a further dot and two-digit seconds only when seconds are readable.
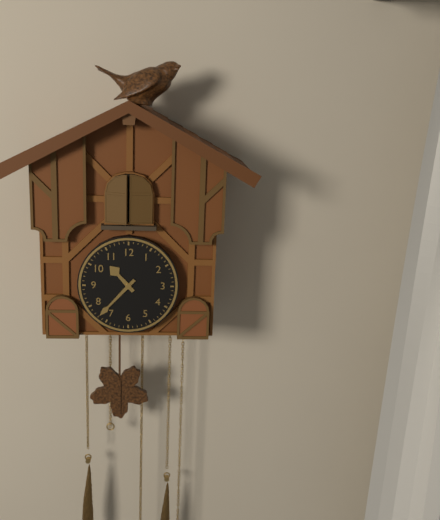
10.37
